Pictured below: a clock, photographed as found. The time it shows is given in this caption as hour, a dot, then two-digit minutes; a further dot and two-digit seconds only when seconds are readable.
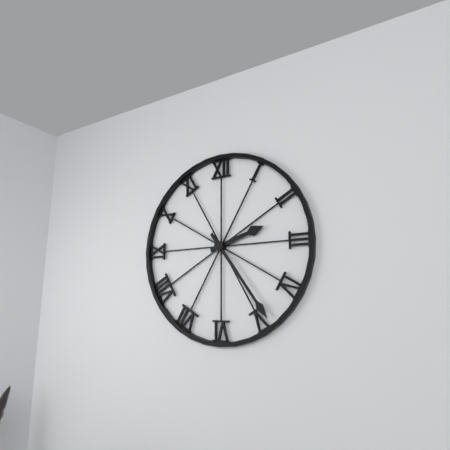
2.24
